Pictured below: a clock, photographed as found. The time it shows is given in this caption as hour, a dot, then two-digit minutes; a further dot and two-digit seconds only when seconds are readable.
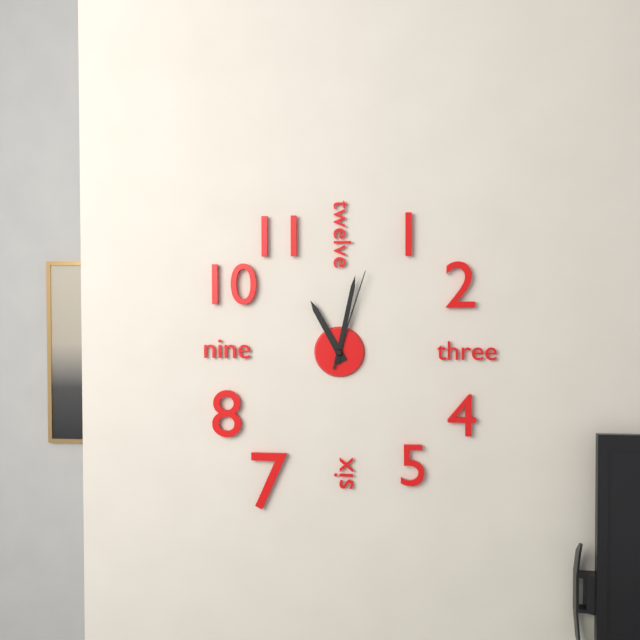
11.02.03
